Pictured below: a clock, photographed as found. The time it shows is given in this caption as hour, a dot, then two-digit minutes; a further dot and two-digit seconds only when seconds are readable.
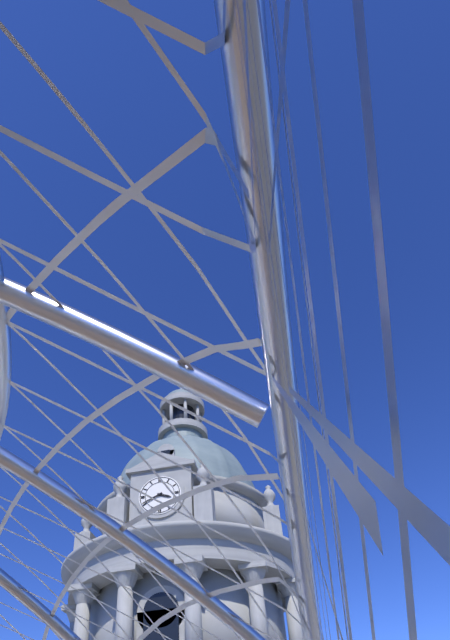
3.41
